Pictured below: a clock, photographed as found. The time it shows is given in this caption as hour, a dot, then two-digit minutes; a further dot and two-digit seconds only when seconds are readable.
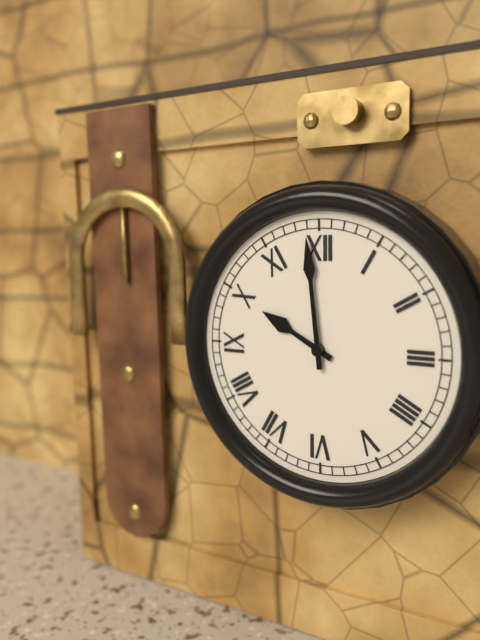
9.59
